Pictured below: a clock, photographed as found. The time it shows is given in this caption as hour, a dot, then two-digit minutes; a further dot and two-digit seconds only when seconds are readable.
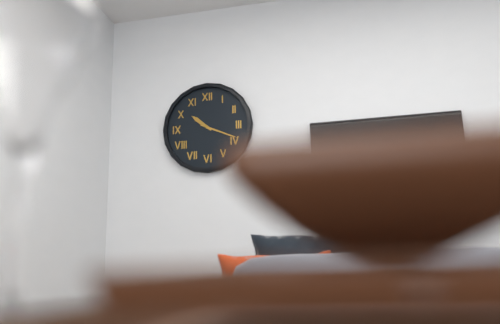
10.19
